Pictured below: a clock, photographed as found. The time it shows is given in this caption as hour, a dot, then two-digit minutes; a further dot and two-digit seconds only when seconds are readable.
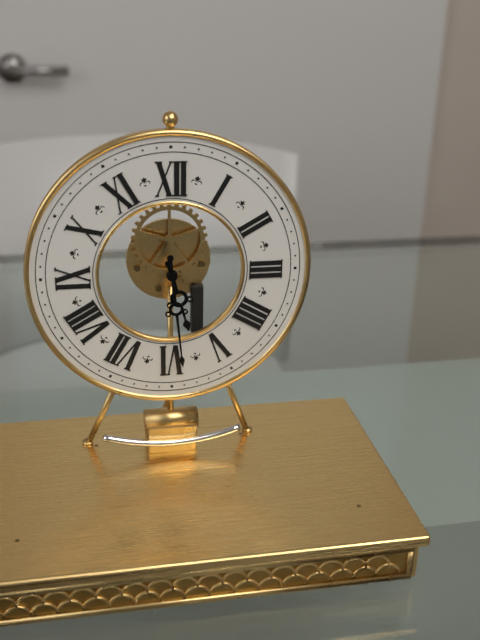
5.29
